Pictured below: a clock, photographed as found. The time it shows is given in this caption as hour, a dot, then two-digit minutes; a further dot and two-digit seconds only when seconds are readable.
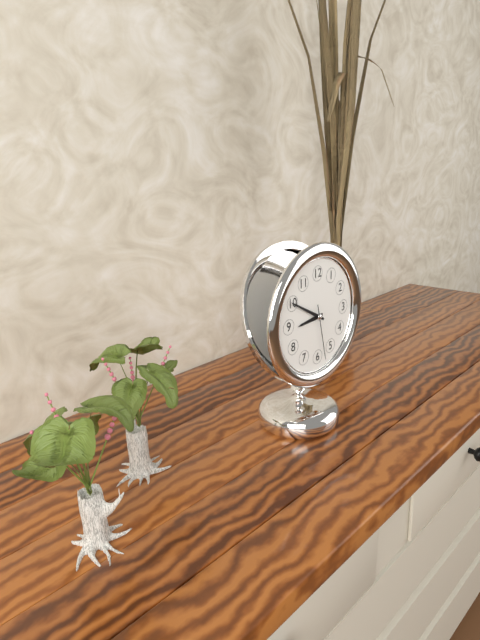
8.50.28
